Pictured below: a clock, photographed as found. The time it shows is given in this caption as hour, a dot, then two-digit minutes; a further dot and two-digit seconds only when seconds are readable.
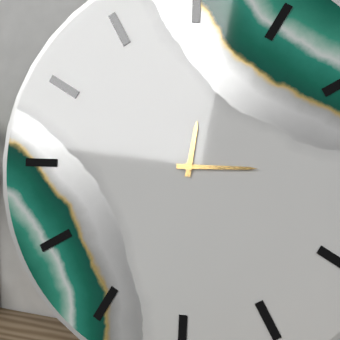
12.15
